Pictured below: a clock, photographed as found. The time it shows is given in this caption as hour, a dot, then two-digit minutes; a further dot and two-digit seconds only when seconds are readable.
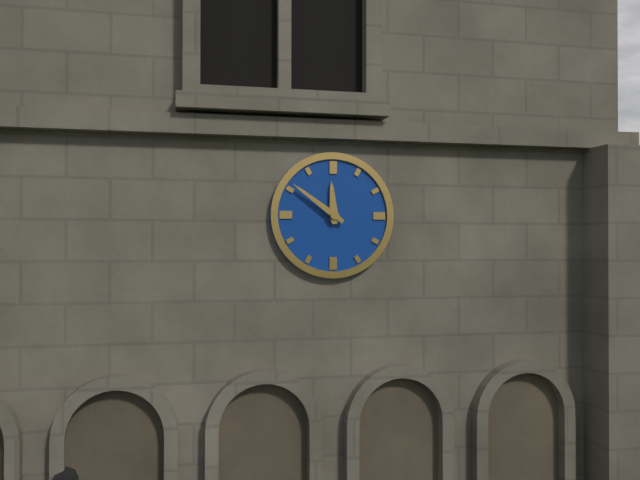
11.51
